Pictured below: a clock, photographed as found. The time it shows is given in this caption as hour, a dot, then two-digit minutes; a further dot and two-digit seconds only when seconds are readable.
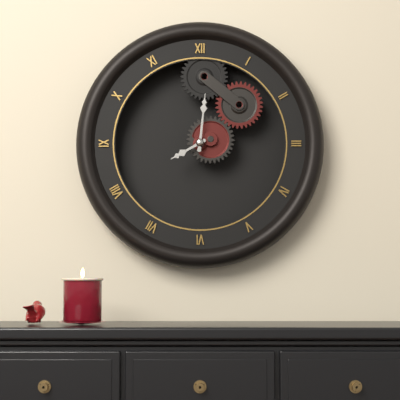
8.01
